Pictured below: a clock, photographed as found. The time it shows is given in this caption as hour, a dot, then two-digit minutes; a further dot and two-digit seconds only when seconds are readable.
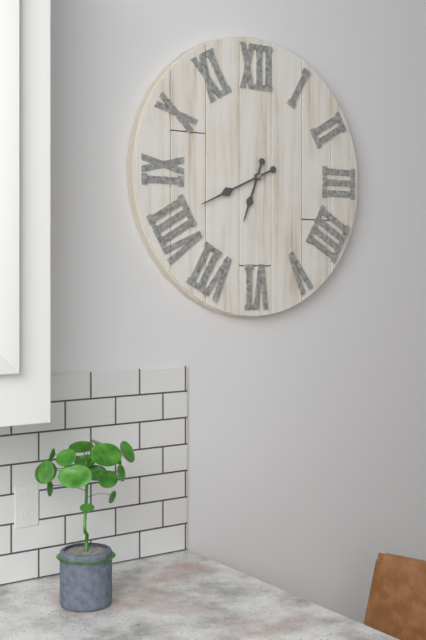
6.41
